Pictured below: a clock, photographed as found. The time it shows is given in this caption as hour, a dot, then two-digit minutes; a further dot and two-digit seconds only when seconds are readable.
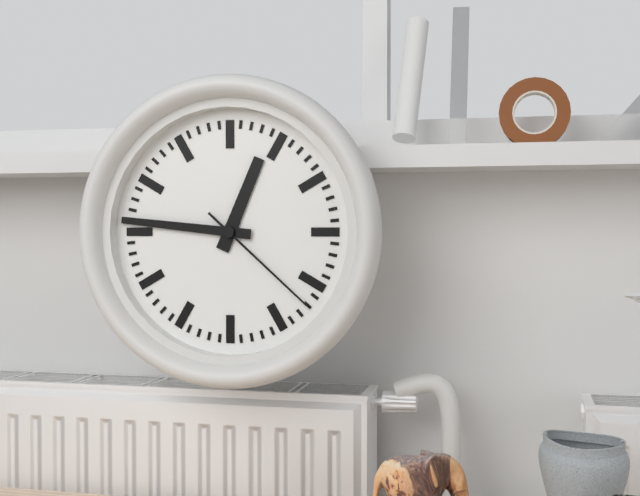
12.46.22
